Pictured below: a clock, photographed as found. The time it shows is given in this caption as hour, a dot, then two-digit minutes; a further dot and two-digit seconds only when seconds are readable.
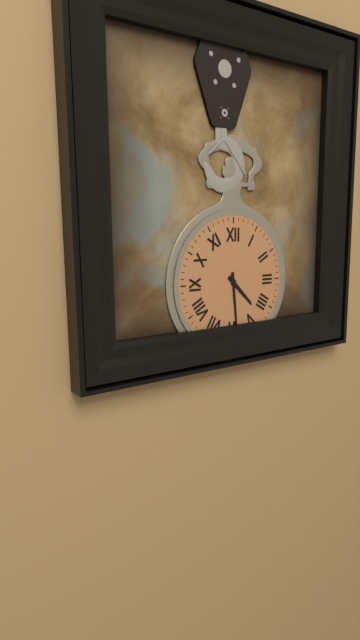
4.29
